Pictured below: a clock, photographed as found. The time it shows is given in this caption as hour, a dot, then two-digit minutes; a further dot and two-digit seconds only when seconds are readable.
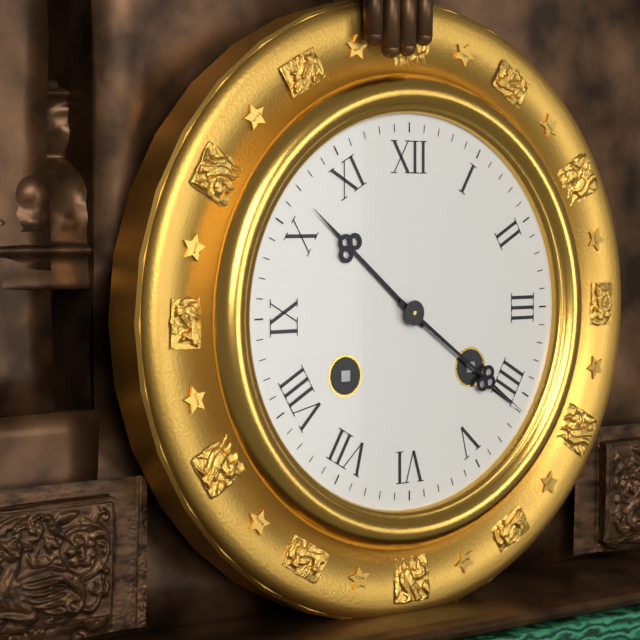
10.21
